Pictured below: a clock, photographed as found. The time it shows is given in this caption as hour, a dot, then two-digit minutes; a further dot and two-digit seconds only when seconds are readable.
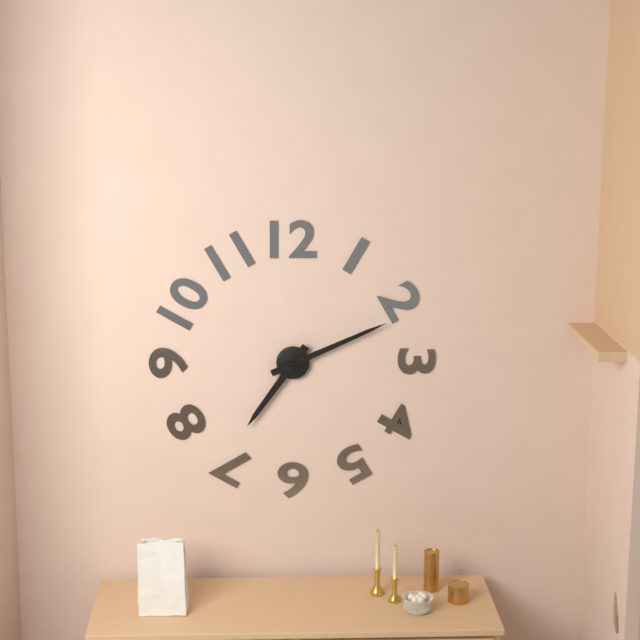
7.11
